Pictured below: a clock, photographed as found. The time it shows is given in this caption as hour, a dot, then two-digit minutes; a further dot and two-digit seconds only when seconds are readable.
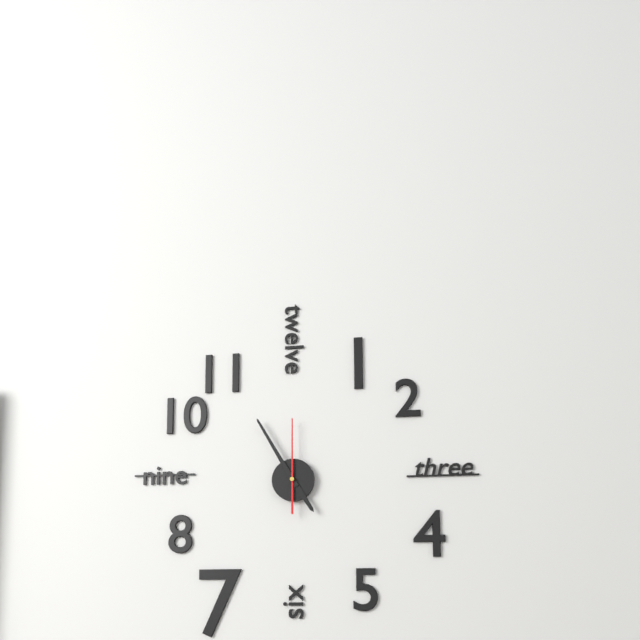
4.55.00
